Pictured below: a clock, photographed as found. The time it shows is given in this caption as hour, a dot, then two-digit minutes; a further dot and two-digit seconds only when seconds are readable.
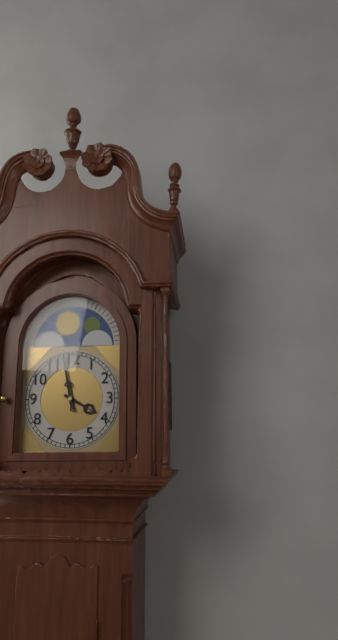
3.58
